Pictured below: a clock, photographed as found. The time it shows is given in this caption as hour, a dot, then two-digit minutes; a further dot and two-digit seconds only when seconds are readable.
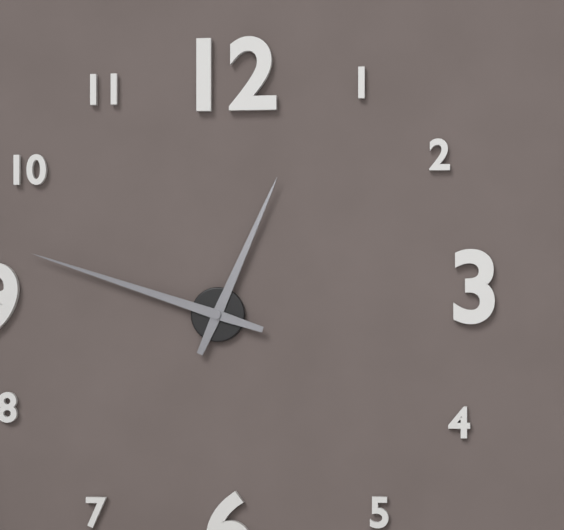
12.48
